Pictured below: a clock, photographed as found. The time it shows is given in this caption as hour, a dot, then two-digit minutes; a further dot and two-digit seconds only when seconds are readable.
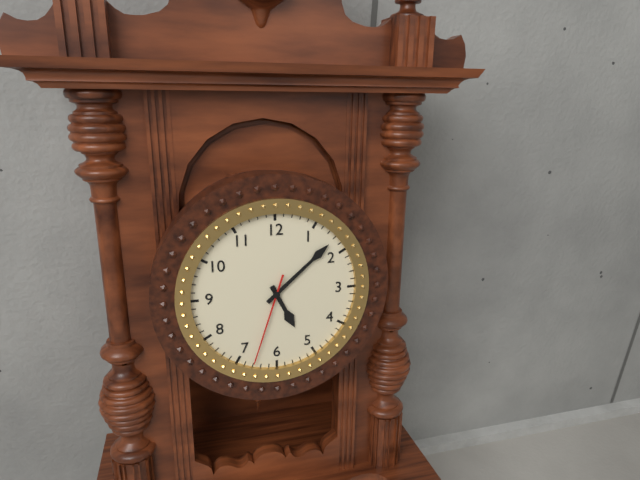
5.08.33
